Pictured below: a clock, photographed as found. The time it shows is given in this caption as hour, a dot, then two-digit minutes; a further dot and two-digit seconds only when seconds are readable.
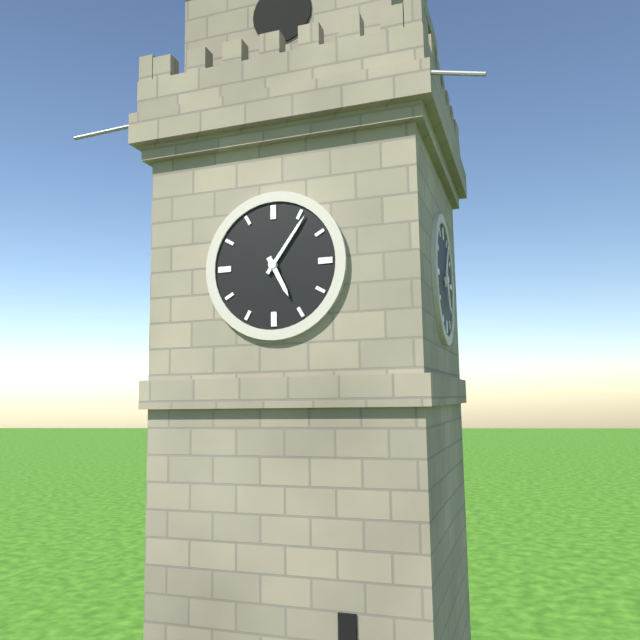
5.06
